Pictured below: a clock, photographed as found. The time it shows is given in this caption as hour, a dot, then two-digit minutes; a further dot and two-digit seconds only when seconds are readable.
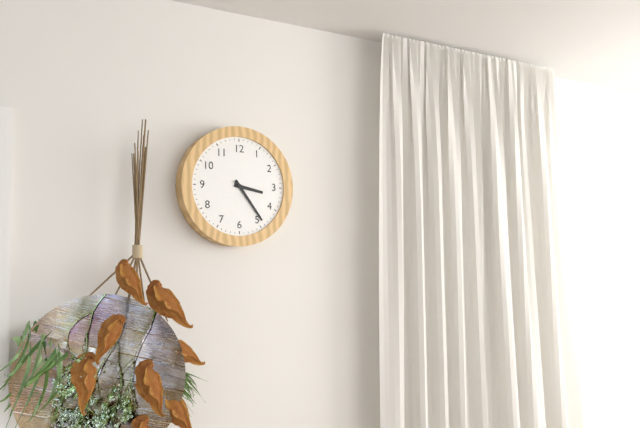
3.24
